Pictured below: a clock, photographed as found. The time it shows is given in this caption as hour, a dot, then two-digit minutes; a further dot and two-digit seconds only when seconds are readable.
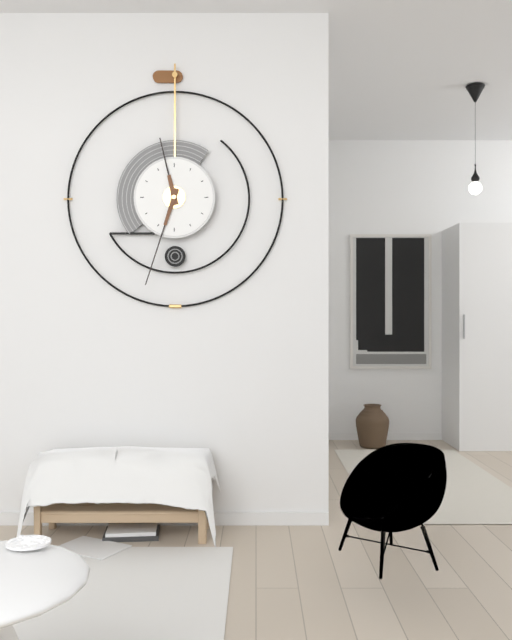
11.33
